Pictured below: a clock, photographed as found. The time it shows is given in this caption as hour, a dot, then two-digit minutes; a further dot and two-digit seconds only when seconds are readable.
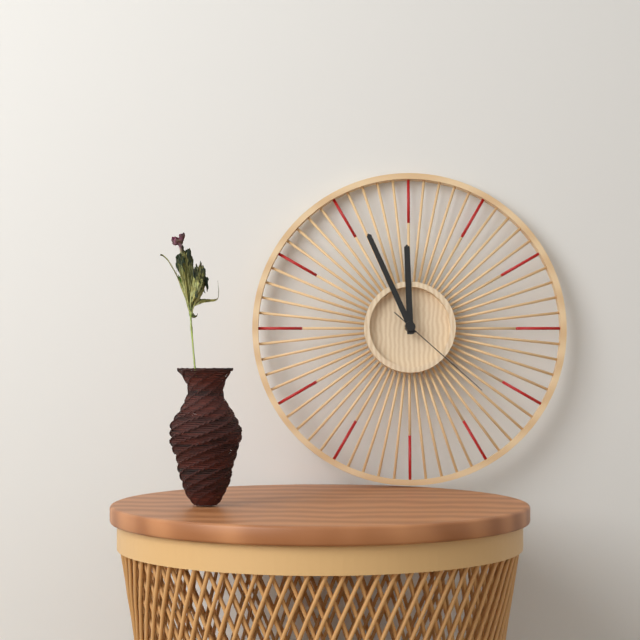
11.56.22
